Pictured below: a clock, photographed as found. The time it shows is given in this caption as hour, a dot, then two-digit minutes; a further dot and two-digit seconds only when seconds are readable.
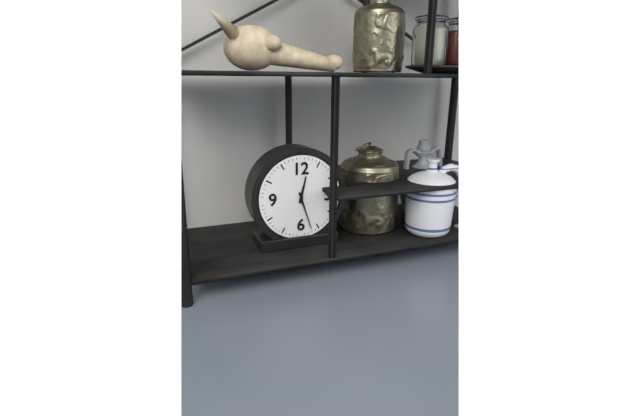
12.27
